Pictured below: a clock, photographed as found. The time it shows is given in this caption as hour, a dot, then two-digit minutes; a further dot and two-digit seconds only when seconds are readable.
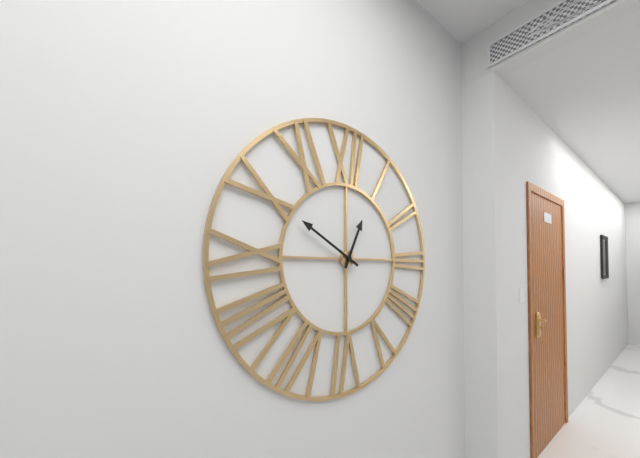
12.50
